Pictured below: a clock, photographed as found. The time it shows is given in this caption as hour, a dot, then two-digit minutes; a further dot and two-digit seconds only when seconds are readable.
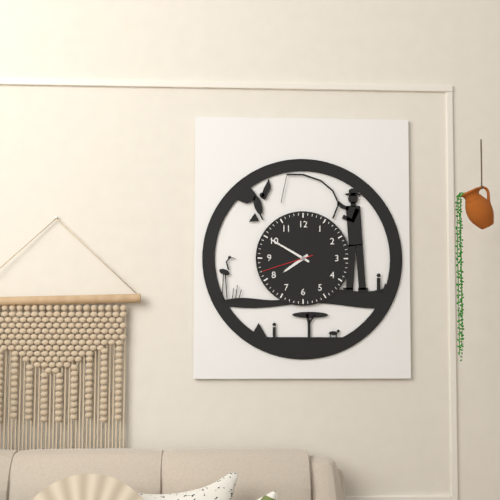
7.50.42
